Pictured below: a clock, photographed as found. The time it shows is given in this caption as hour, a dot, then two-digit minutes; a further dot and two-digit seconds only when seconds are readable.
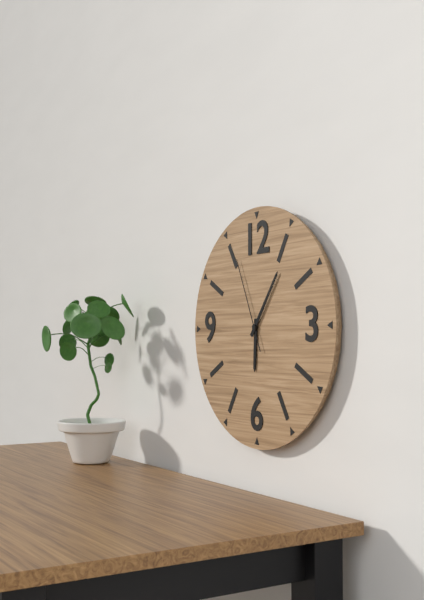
6.06.56
